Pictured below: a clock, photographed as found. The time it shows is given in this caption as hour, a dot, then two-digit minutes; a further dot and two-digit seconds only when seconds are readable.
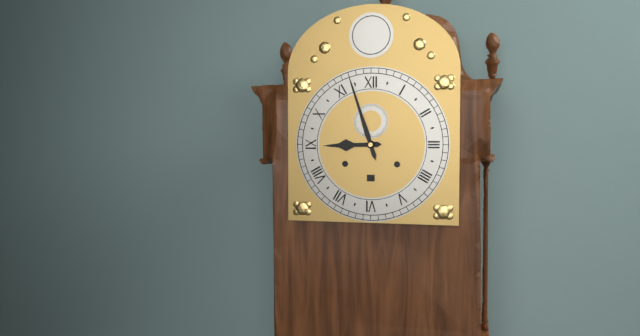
8.57
